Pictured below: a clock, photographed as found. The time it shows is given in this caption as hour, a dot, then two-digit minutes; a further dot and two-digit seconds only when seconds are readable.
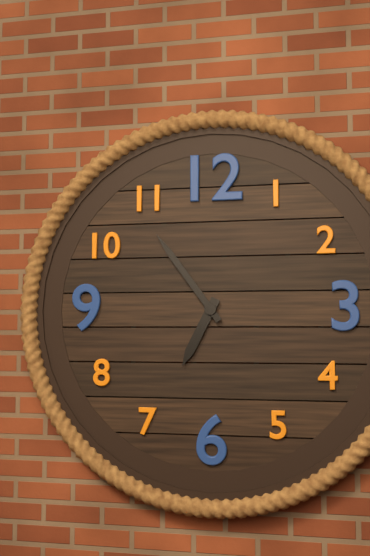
6.54
